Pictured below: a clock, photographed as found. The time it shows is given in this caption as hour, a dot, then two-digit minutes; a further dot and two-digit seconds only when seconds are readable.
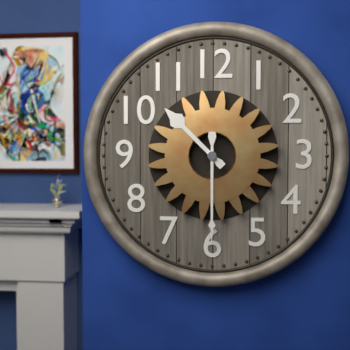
10.30
